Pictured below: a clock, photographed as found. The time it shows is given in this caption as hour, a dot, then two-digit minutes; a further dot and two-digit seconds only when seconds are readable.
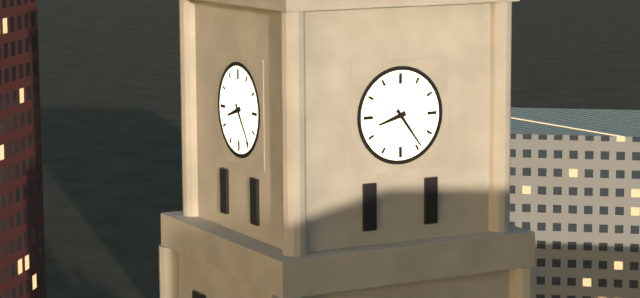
8.24
